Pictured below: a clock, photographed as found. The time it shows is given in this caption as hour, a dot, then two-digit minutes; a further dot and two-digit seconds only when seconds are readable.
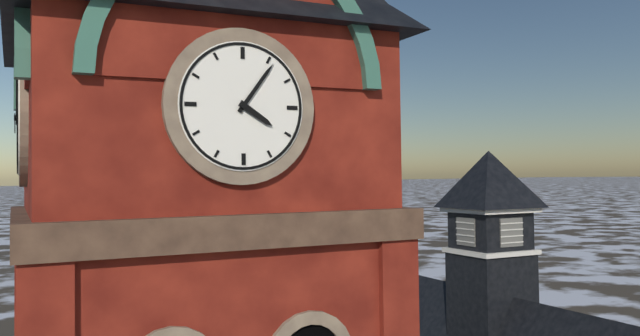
4.06
